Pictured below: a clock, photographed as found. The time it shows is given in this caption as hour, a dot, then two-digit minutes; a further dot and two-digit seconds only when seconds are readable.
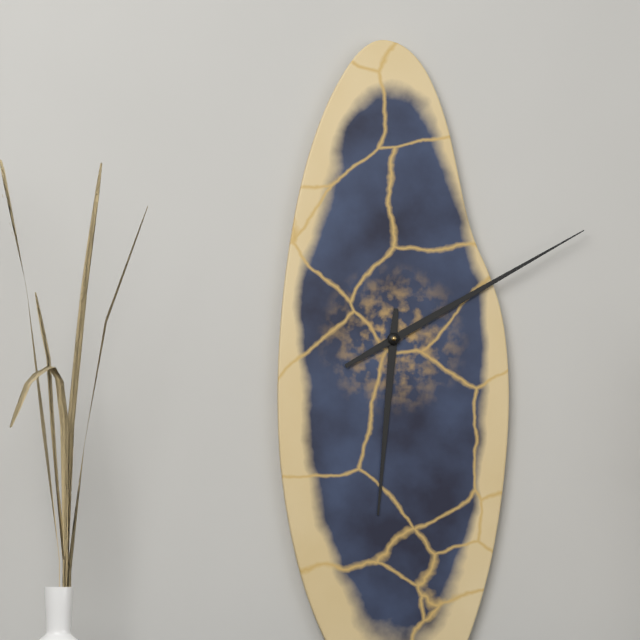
6.10
